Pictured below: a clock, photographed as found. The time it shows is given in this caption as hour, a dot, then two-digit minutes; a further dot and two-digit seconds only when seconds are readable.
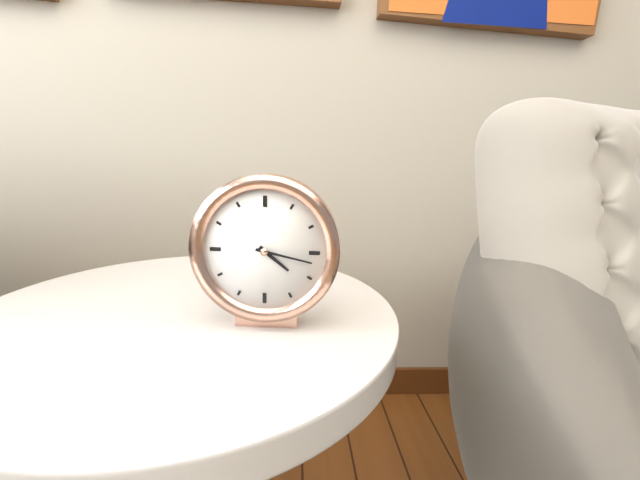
4.17
